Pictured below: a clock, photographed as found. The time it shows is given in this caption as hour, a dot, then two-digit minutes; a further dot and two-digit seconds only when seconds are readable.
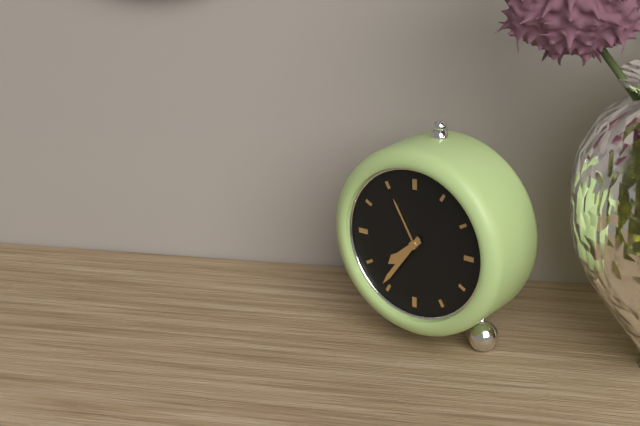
7.36
